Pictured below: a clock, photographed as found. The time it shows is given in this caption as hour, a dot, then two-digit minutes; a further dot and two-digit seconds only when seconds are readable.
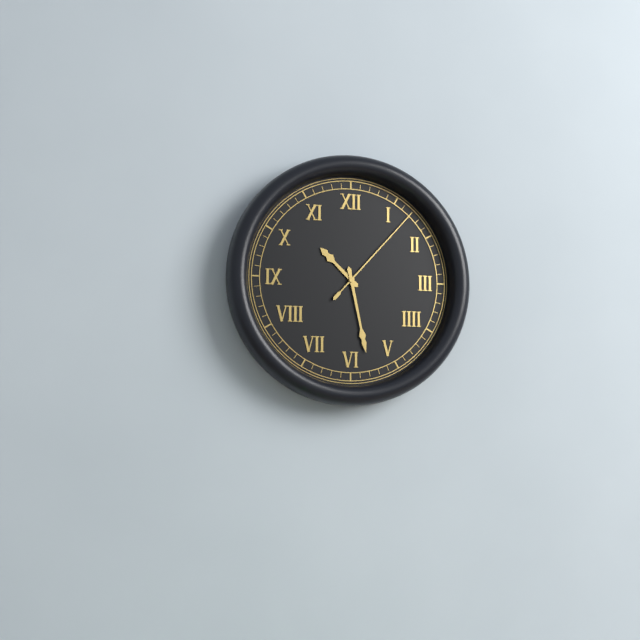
10.28.07
